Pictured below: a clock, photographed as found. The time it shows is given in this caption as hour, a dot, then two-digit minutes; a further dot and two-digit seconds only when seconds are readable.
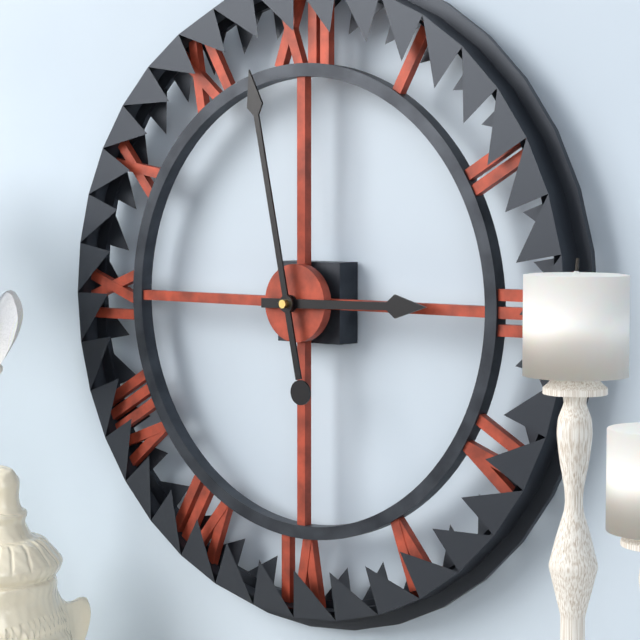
2.58
